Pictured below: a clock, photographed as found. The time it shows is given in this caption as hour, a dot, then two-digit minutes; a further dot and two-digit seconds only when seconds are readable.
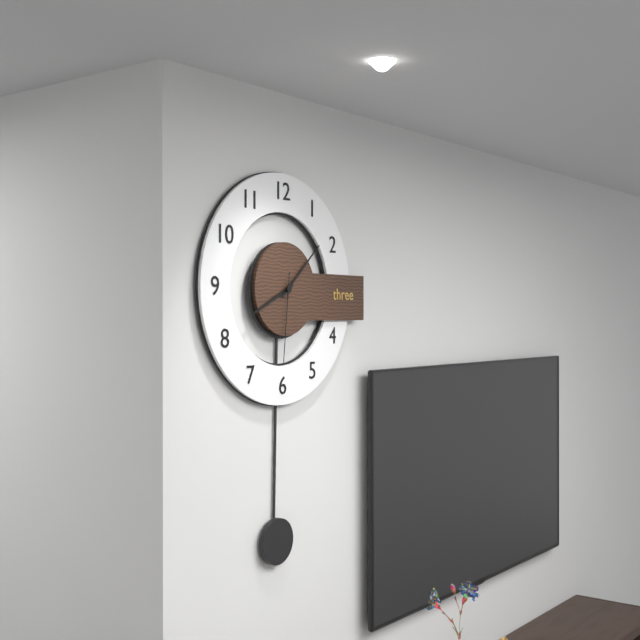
8.08.31
